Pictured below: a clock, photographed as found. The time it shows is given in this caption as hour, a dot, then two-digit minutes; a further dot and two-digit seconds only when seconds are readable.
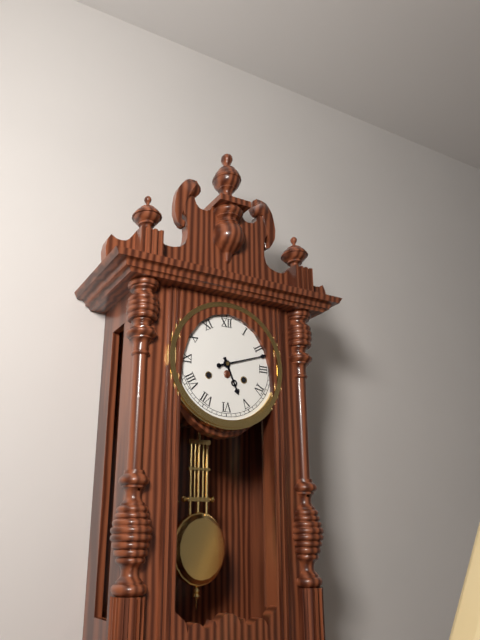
5.12
